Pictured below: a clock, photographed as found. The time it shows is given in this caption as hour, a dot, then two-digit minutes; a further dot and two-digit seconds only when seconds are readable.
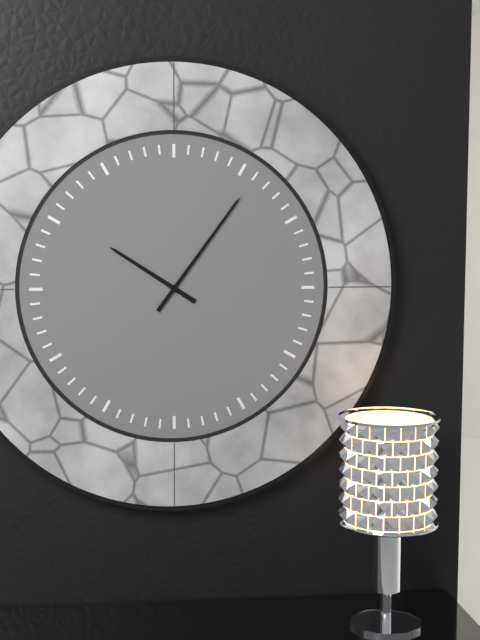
10.06
